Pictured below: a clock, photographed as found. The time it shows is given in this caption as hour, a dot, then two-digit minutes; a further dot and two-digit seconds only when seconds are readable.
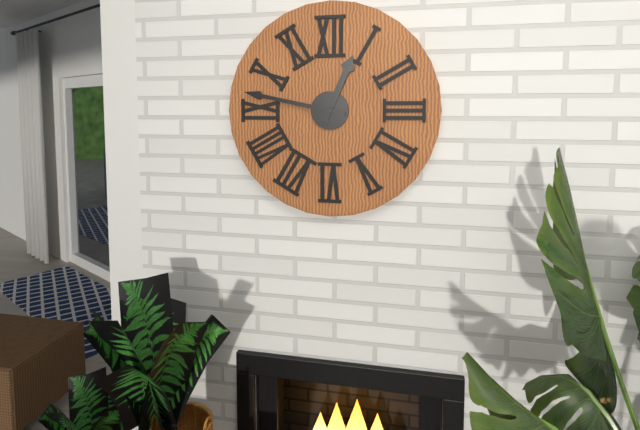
12.47
